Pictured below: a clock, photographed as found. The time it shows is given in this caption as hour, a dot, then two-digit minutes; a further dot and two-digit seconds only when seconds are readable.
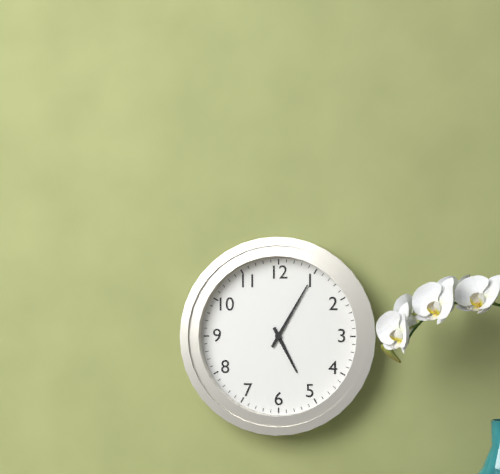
5.05
